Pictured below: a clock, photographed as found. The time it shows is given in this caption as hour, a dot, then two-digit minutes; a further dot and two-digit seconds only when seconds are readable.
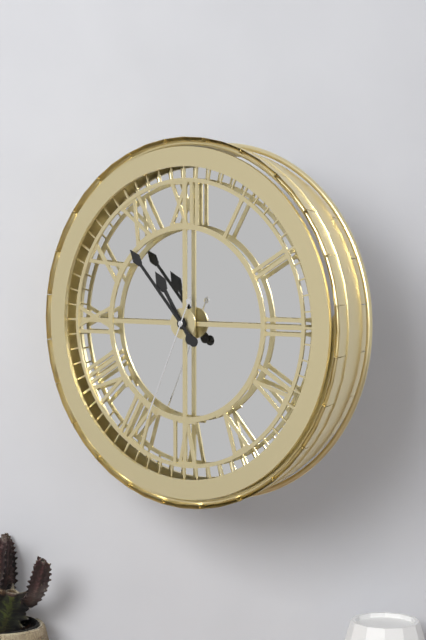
10.53.34
